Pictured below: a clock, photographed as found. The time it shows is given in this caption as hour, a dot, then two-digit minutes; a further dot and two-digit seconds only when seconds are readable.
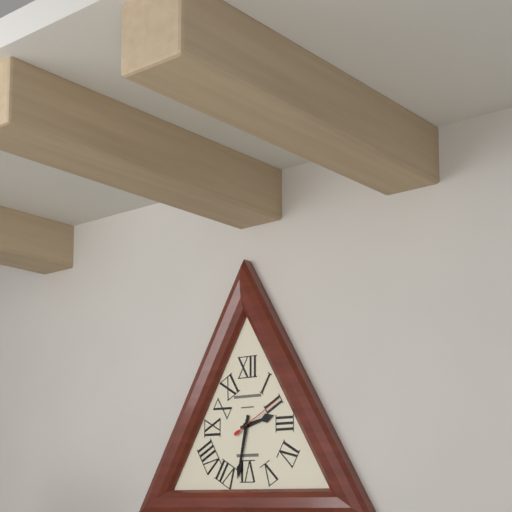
2.32.10
